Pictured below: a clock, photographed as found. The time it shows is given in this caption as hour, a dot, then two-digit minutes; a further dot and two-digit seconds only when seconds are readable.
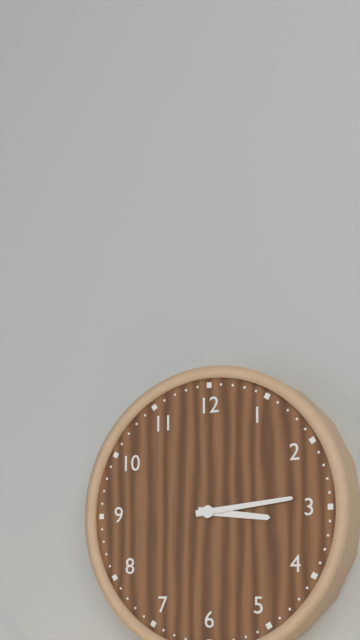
3.14
